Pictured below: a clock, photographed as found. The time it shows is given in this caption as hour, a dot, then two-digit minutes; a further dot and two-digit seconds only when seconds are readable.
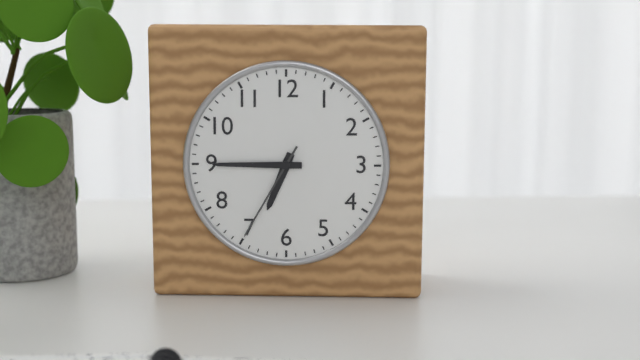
6.45.35
